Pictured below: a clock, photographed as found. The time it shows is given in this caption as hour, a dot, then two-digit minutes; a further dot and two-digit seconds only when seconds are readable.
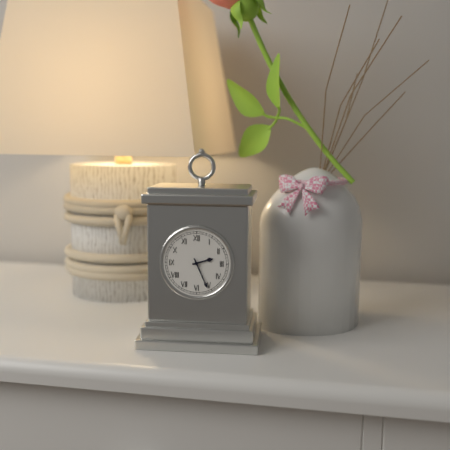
2.26
